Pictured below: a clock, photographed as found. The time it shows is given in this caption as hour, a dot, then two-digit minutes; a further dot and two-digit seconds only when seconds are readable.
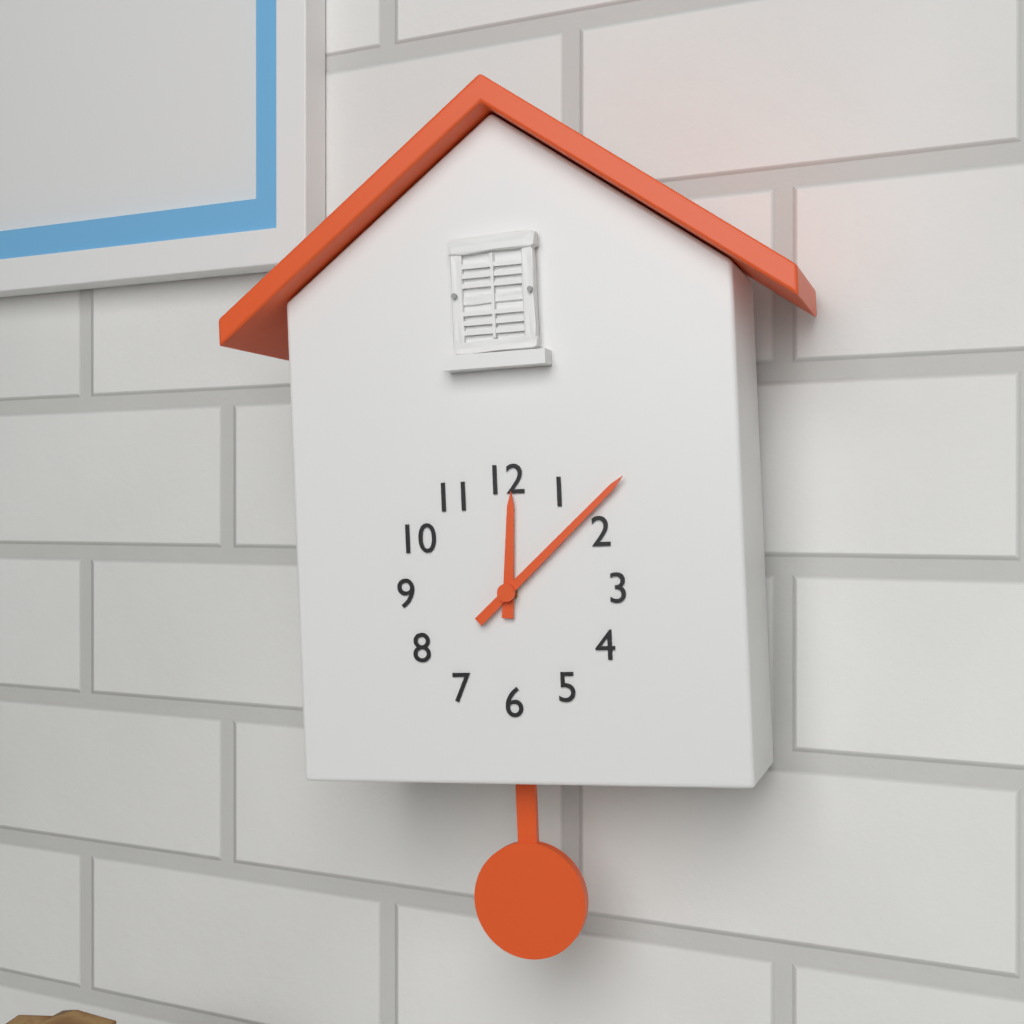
12.08
